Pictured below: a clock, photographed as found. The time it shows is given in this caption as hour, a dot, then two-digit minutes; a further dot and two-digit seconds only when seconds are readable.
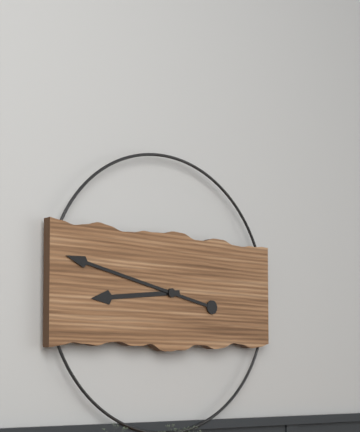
8.47
